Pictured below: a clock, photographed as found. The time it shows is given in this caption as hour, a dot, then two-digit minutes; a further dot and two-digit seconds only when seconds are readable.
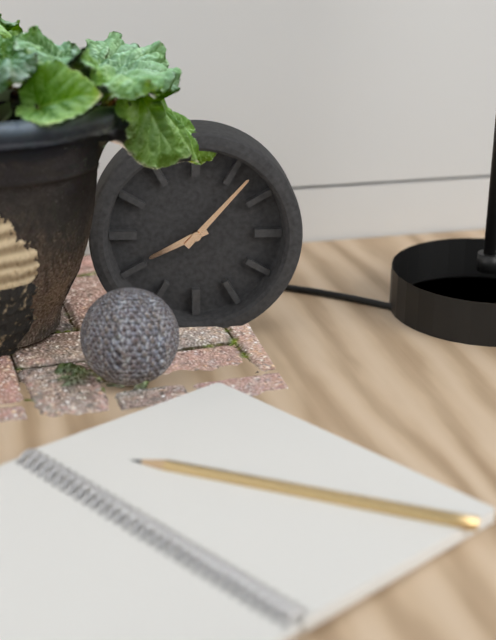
8.07
